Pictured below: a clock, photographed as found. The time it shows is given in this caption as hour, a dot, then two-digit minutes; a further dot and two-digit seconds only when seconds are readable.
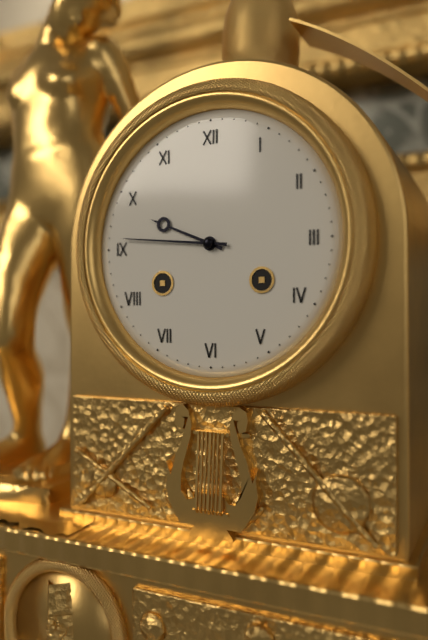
9.46
